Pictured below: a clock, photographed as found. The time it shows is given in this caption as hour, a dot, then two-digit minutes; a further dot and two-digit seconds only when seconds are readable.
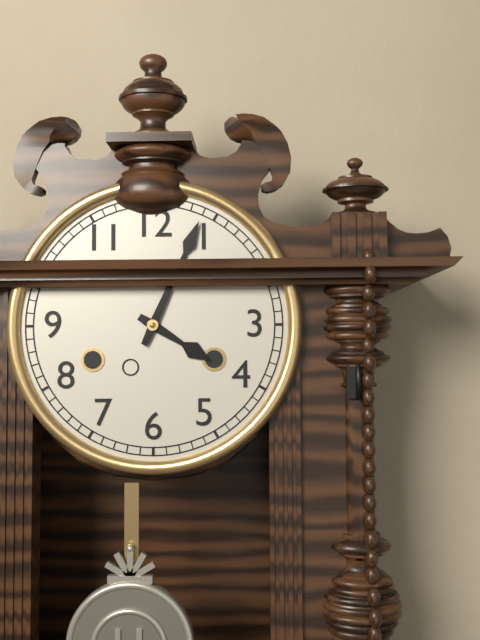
4.04
